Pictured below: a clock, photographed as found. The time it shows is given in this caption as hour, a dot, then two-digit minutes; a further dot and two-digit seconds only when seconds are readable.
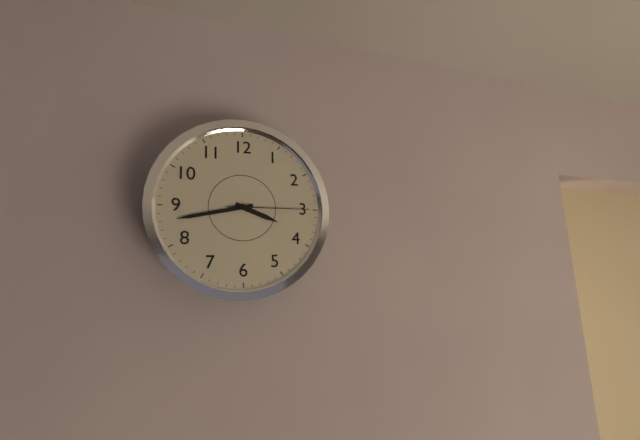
3.43.15
